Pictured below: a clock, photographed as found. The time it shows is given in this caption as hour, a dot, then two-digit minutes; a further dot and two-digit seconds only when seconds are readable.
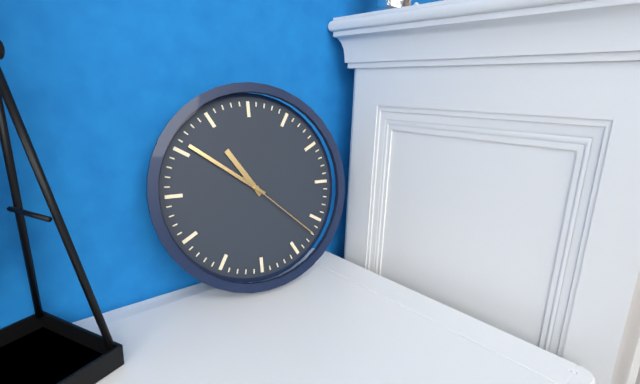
10.51.22
